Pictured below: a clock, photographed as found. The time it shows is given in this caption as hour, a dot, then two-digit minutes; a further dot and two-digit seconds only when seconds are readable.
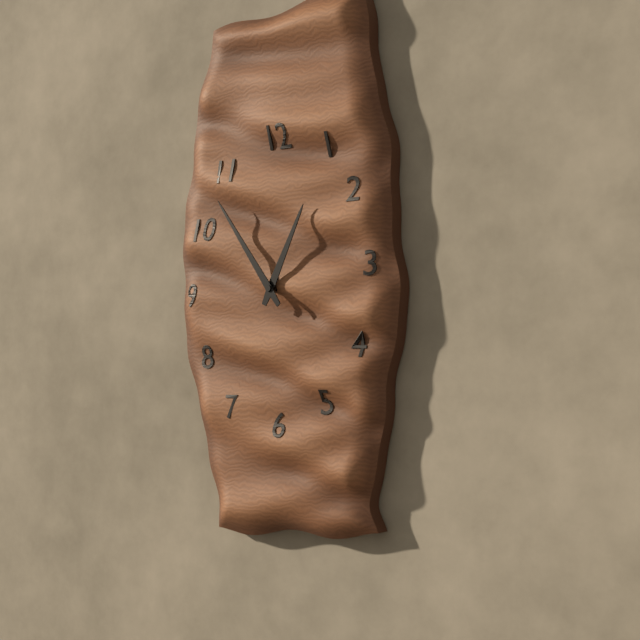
12.54
